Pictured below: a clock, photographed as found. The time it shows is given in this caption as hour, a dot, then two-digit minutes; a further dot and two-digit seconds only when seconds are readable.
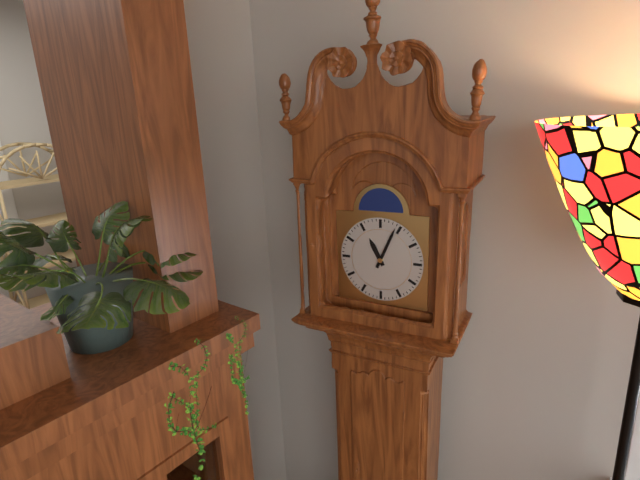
11.04
